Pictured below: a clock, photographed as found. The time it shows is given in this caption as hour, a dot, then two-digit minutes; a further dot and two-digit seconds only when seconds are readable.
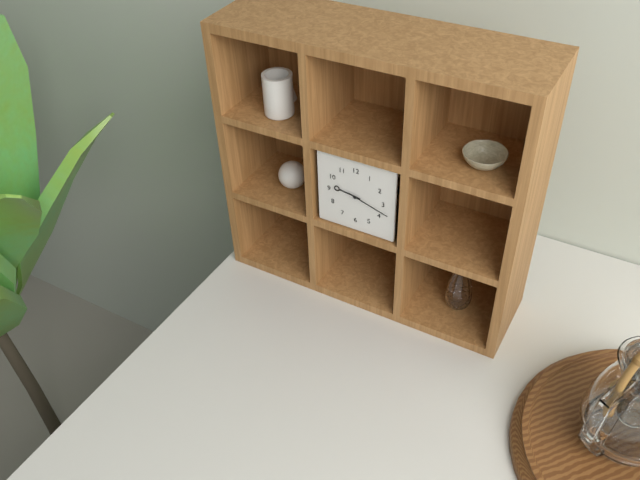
9.18
